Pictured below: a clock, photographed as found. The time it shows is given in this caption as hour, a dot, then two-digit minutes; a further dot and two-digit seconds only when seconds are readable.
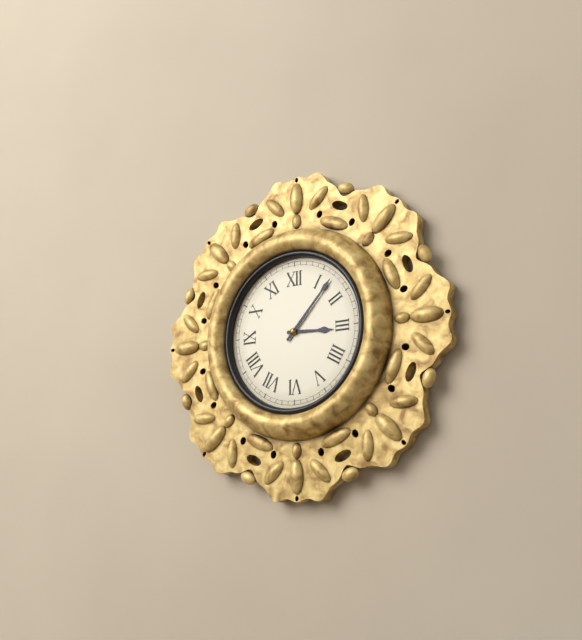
3.07
